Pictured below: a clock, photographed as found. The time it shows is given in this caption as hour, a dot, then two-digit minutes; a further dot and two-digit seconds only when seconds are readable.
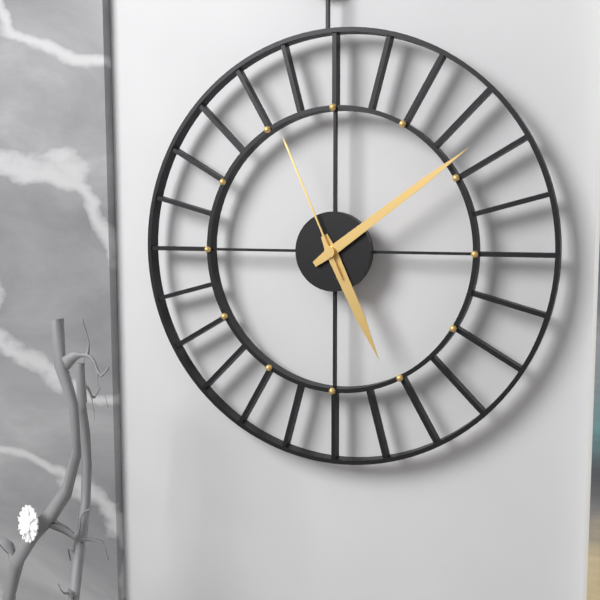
5.09.56
